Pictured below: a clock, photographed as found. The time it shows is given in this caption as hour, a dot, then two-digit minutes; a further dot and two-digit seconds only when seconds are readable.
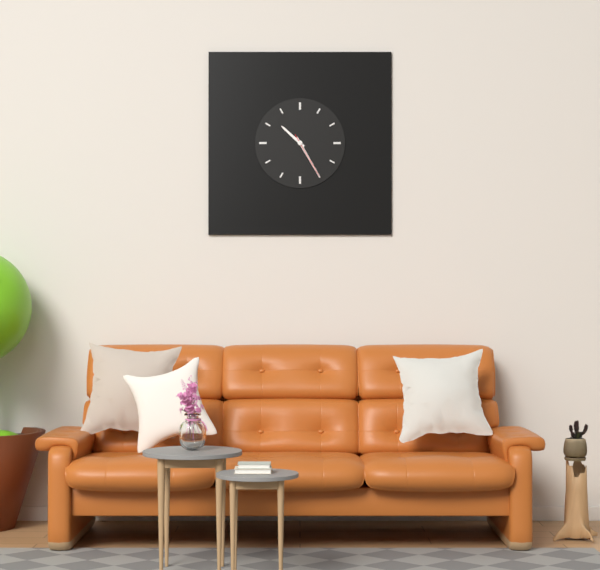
10.25
